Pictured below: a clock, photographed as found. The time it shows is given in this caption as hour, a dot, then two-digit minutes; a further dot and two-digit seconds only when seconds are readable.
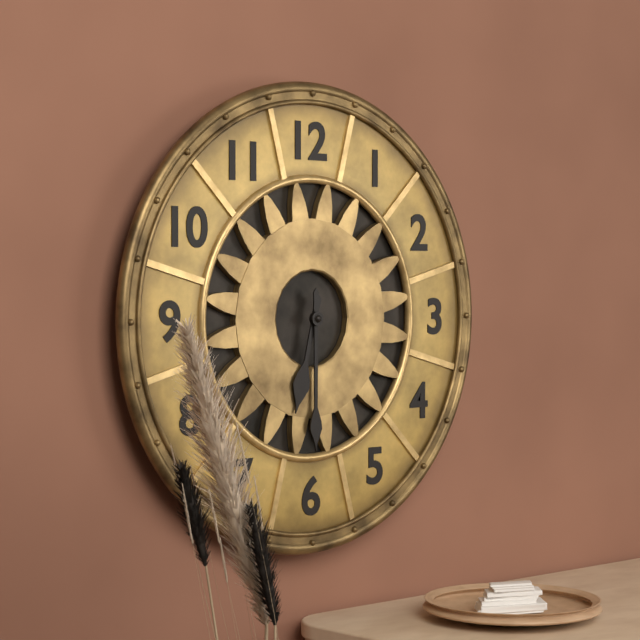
6.30
